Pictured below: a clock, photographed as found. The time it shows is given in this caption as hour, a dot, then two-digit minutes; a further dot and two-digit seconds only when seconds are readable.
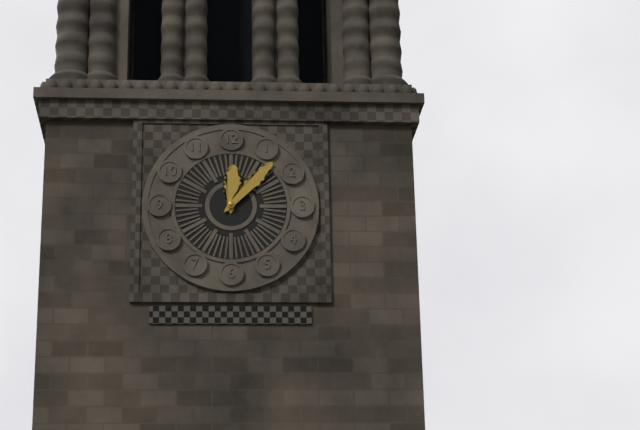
12.07
